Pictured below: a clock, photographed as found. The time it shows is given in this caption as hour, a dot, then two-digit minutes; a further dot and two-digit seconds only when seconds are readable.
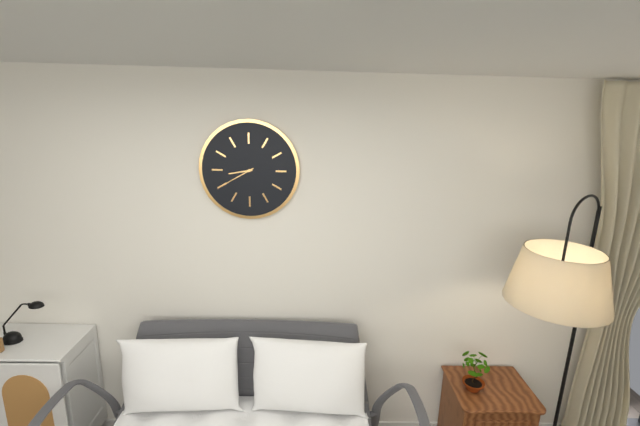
8.40
